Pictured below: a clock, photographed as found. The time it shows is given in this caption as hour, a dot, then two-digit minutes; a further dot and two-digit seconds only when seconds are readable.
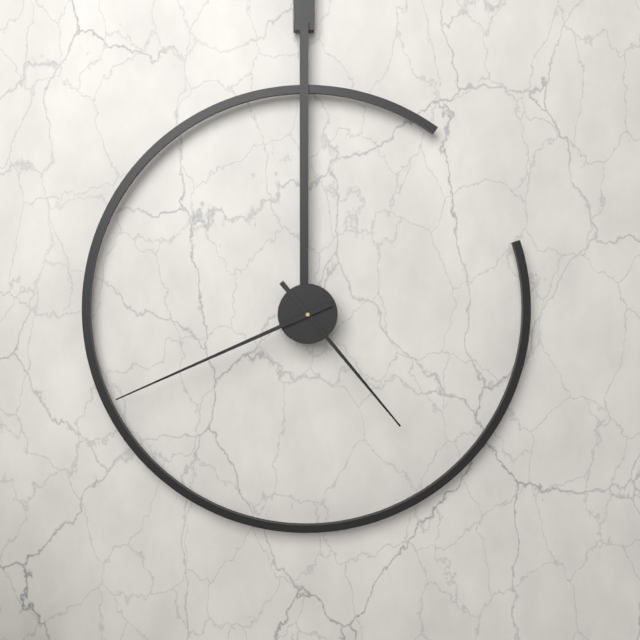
4.41
